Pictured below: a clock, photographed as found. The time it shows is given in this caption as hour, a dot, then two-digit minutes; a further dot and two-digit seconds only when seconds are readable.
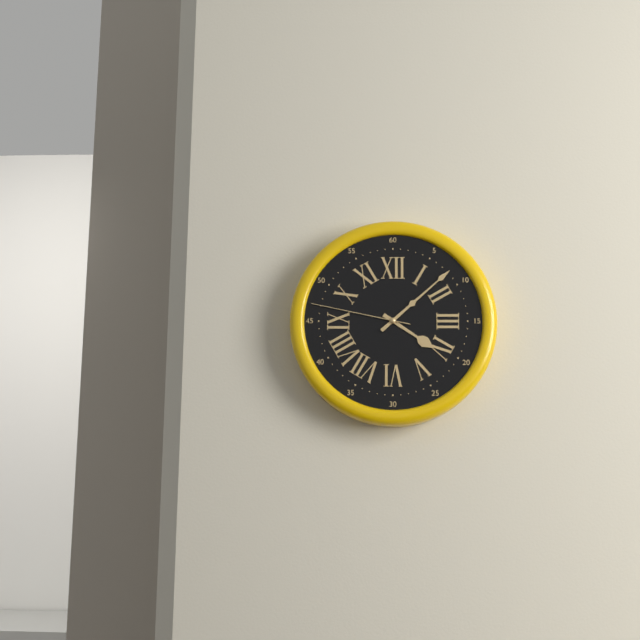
4.08.47
